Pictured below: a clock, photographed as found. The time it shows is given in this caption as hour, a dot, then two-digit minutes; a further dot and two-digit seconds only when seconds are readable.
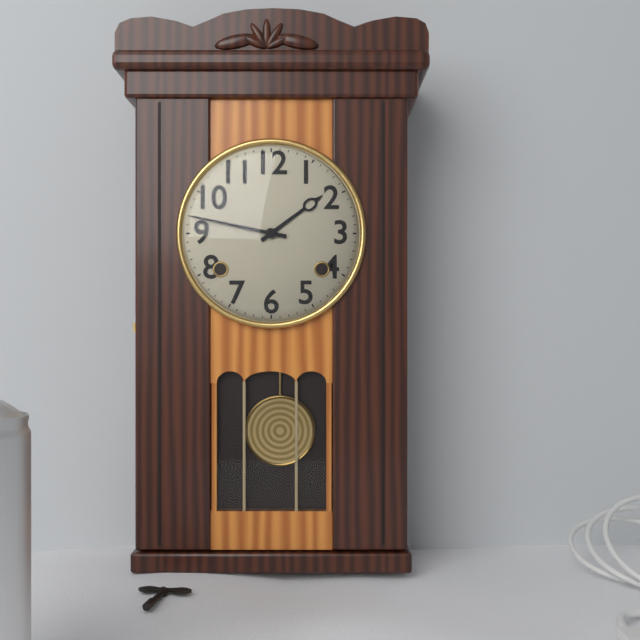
1.47
